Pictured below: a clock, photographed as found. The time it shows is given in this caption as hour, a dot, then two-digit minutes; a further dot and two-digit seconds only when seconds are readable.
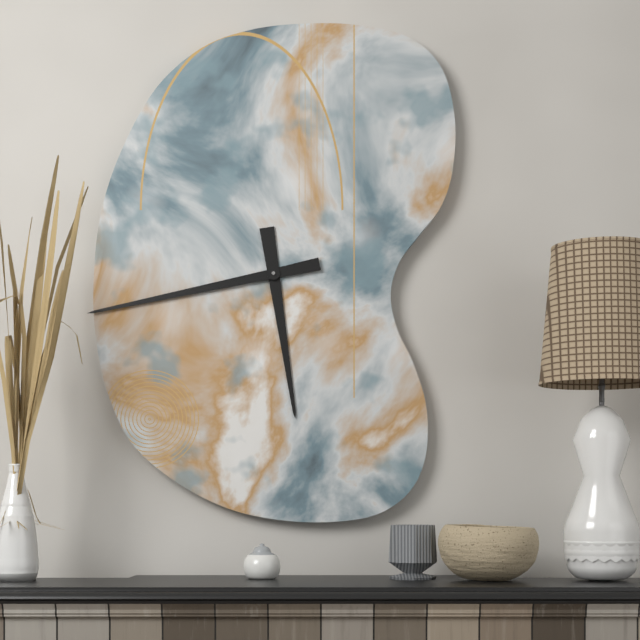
5.43
